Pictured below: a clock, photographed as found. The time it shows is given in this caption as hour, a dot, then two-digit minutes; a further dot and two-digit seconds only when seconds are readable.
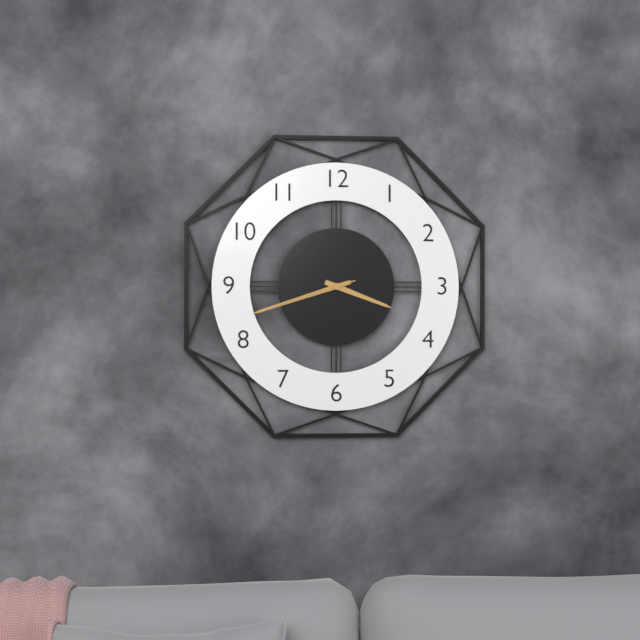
3.42.42
